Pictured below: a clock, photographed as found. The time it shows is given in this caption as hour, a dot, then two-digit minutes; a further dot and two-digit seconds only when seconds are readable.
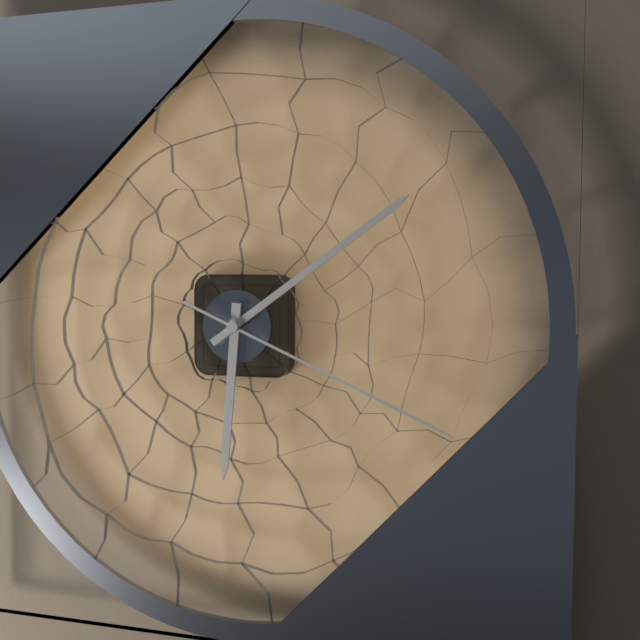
6.09.19
